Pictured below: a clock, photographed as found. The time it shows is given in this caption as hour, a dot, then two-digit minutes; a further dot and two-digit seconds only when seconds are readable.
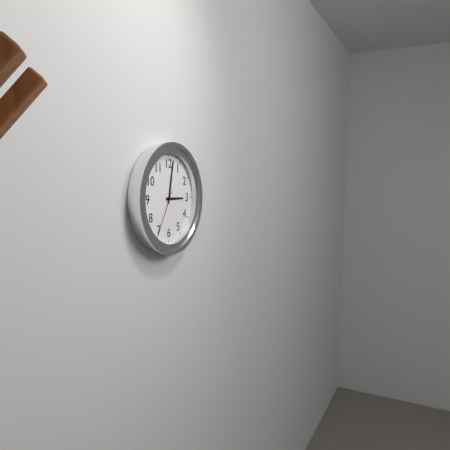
3.02
